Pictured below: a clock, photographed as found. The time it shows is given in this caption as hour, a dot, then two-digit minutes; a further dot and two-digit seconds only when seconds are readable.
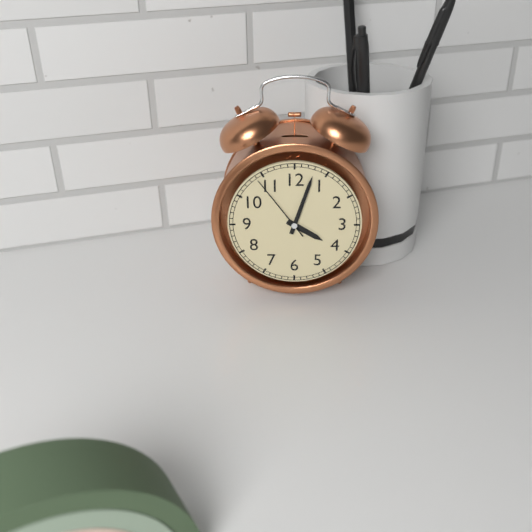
4.03.54
